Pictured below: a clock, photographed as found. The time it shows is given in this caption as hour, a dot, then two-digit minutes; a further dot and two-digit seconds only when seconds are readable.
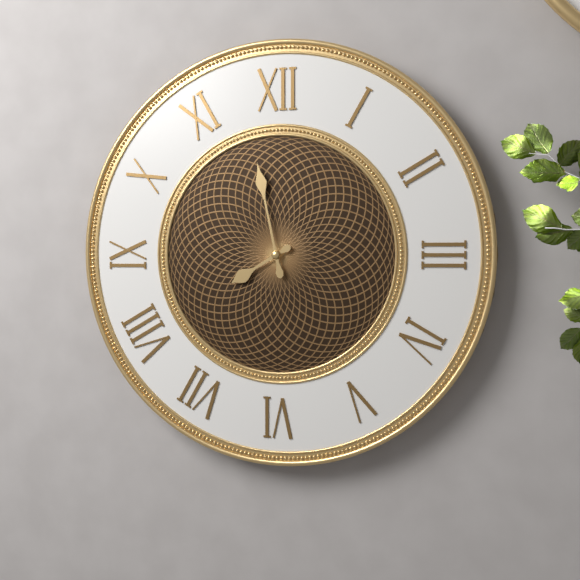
7.58
